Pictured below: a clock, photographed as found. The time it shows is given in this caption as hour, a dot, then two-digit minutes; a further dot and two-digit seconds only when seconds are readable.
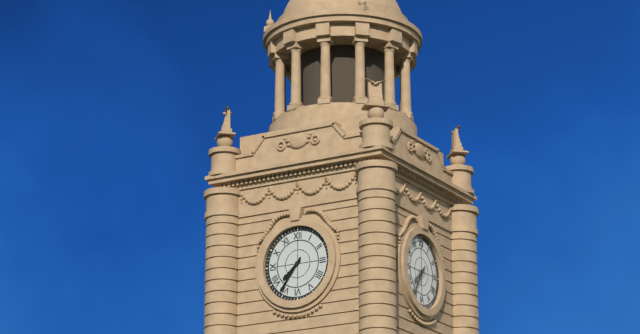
7.36
